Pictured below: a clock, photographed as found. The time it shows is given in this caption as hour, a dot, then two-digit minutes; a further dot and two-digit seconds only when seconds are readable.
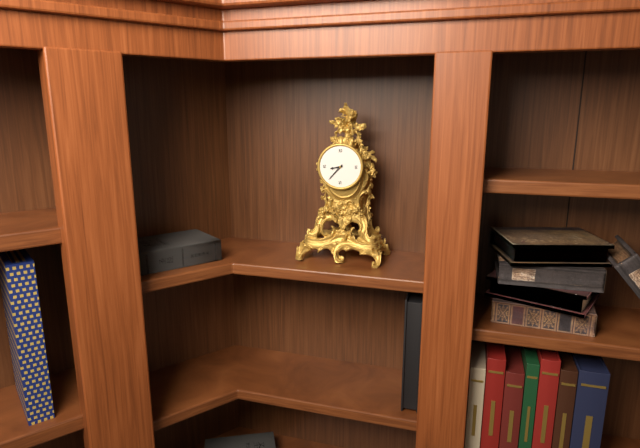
8.37
